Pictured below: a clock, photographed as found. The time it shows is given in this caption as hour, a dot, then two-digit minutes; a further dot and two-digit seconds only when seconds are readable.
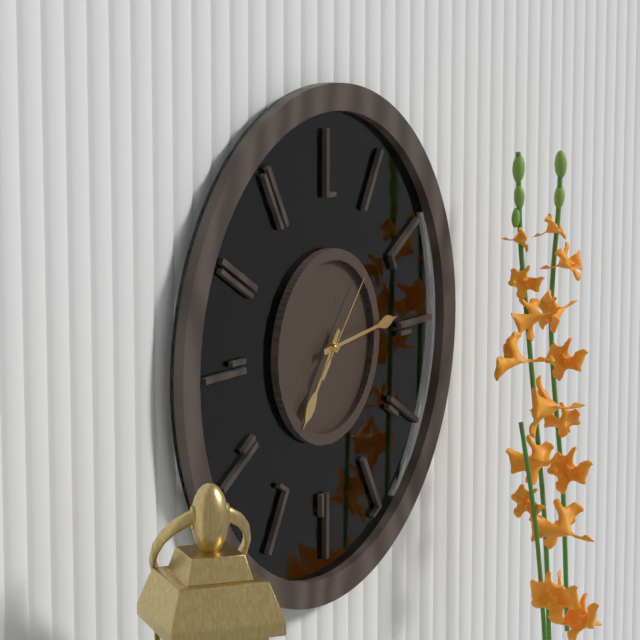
7.14.07
